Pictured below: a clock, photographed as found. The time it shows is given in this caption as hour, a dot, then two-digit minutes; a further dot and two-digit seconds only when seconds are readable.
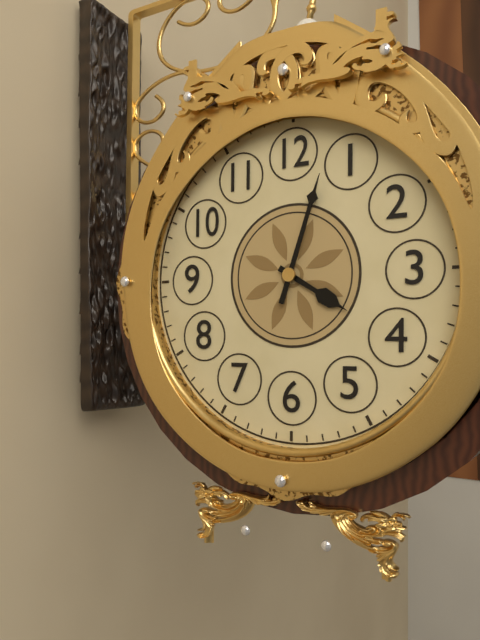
4.03
